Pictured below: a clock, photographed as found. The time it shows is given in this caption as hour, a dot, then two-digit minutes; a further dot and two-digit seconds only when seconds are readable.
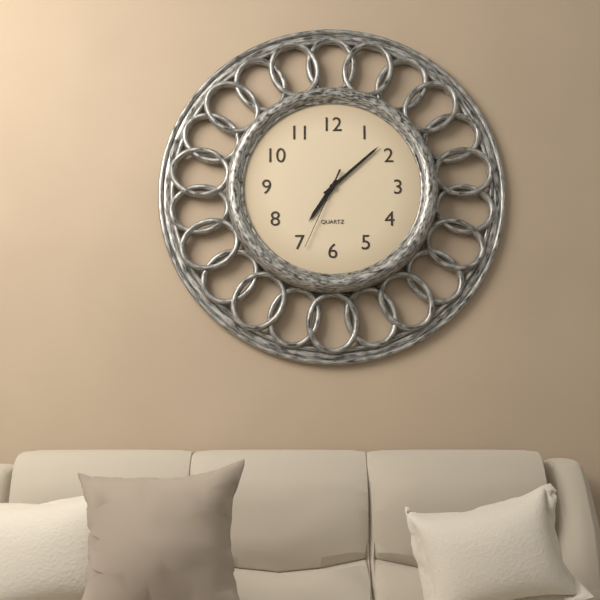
7.08.34
